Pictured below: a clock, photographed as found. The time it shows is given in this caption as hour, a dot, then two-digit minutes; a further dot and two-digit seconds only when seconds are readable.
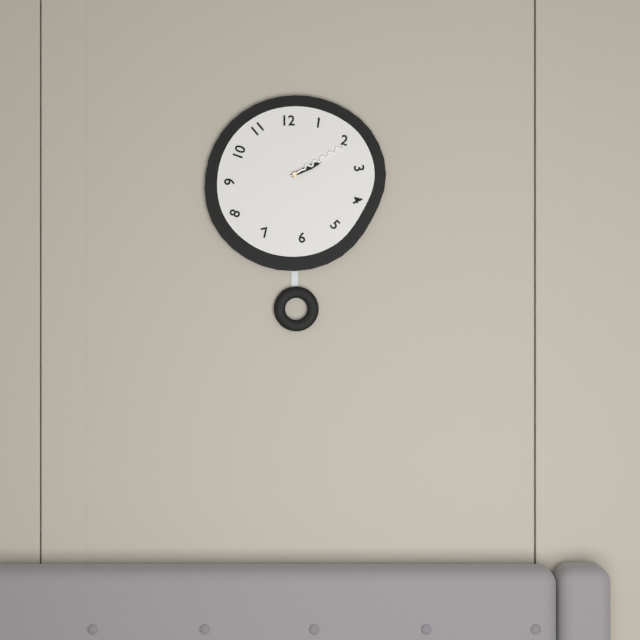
2.10
